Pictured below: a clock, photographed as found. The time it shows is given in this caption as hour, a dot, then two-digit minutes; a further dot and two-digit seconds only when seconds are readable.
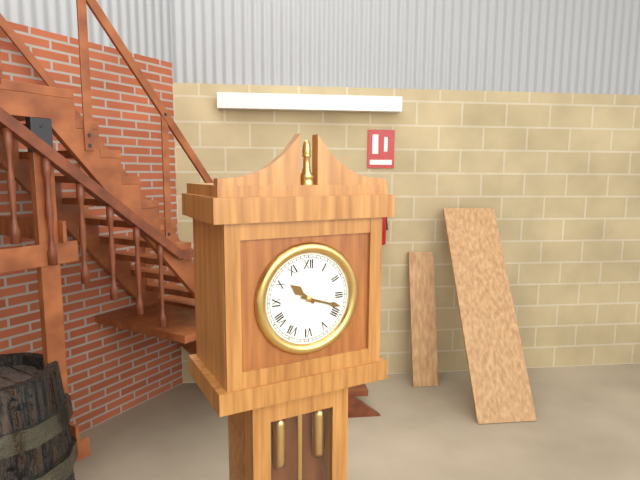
10.18
